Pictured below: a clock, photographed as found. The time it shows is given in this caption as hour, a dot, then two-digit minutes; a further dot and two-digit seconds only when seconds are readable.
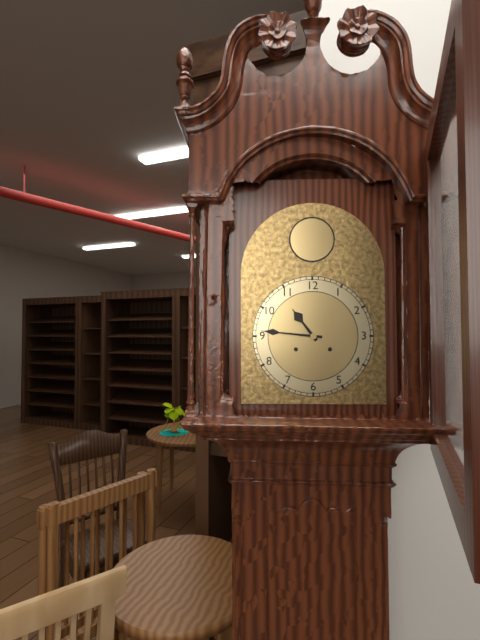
10.46
